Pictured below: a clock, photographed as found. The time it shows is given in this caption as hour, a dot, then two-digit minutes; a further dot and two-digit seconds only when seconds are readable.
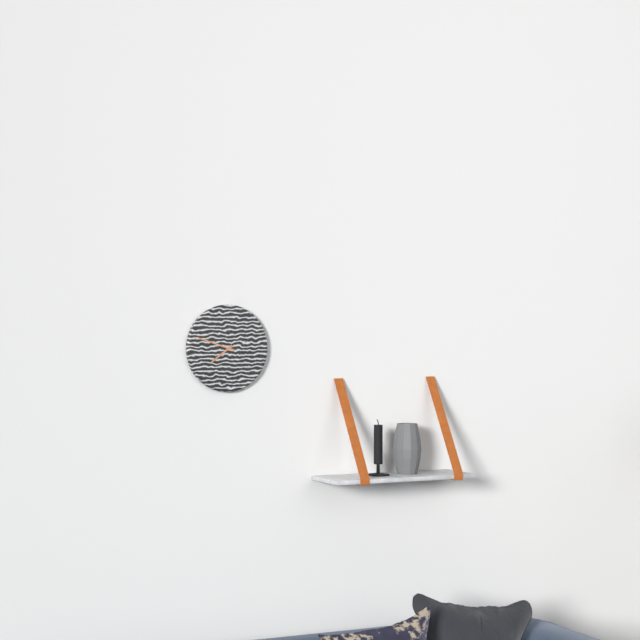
7.48
